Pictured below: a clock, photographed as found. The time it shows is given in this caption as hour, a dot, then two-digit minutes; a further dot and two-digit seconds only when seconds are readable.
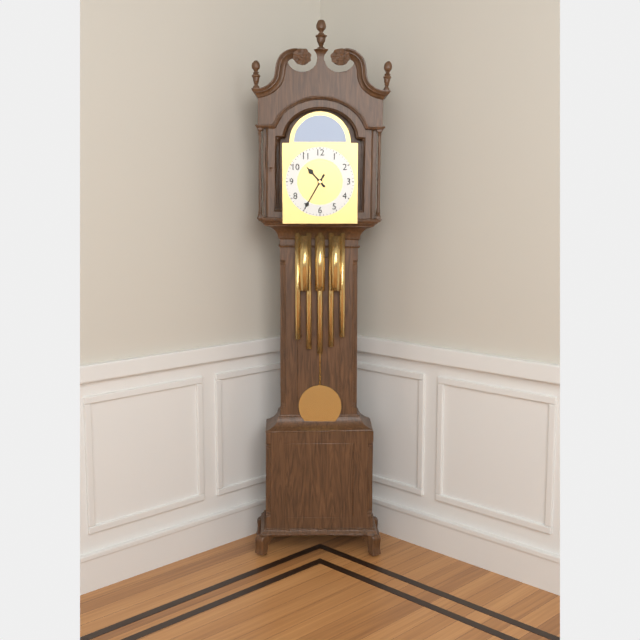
10.35
